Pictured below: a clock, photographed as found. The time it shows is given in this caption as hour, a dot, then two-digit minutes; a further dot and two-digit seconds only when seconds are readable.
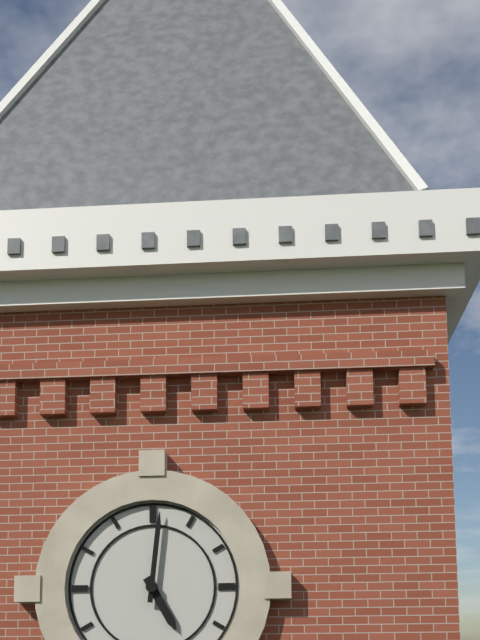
5.01
